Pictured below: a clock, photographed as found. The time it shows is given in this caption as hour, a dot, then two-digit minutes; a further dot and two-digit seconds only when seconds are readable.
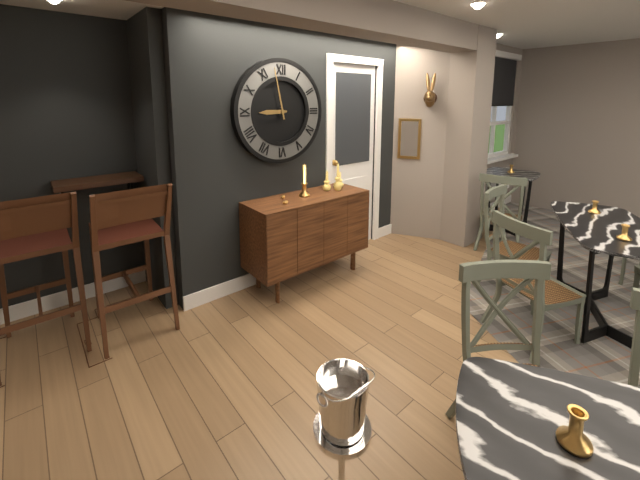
8.58
